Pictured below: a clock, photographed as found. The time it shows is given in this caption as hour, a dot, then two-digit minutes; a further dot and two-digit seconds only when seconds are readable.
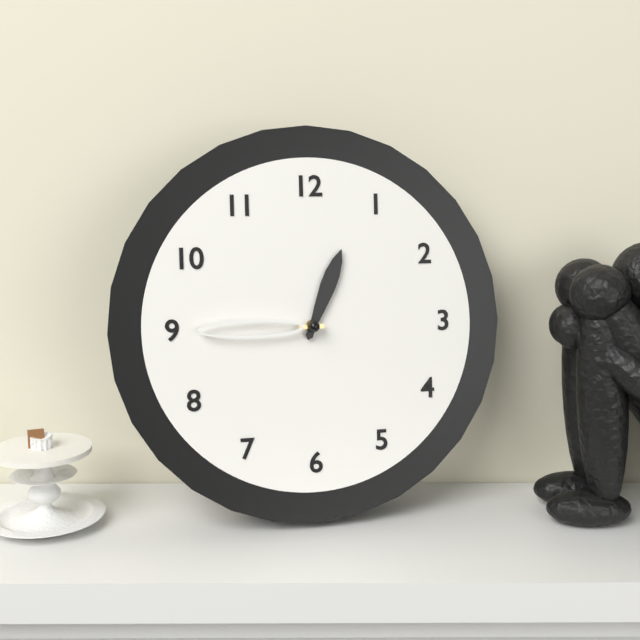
12.45
